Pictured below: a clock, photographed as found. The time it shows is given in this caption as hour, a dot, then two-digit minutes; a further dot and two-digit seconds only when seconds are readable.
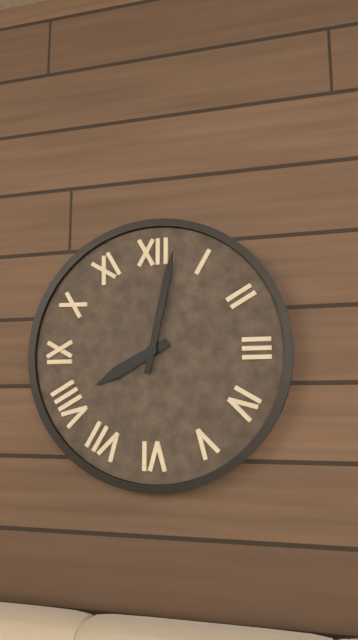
8.02
